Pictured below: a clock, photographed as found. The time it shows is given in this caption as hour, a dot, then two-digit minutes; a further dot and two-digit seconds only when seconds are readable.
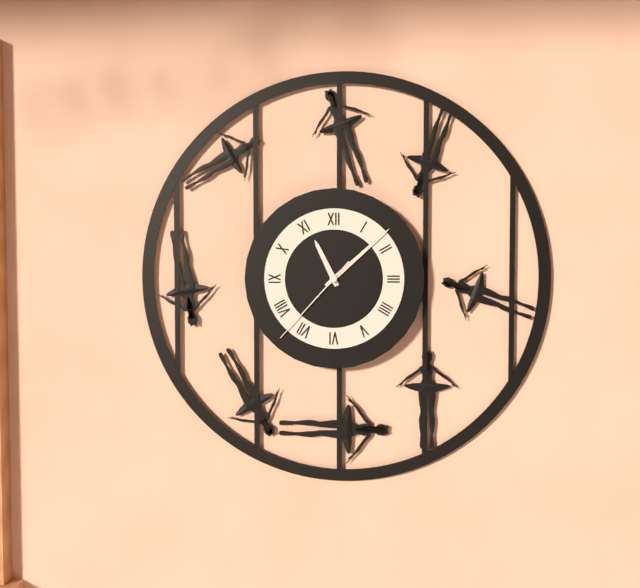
11.08.37
